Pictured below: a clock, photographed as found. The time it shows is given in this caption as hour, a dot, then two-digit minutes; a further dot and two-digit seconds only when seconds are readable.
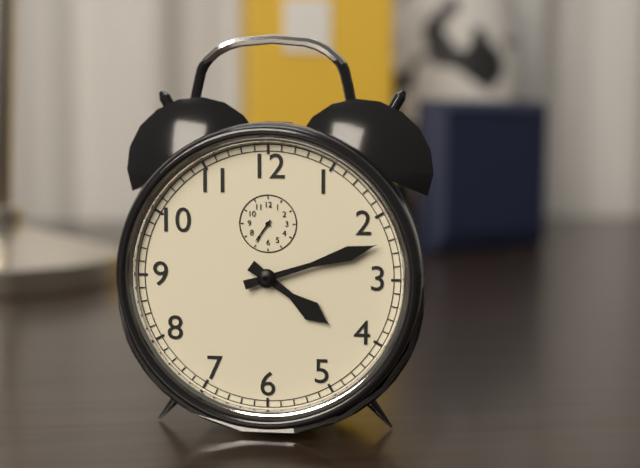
4.12
